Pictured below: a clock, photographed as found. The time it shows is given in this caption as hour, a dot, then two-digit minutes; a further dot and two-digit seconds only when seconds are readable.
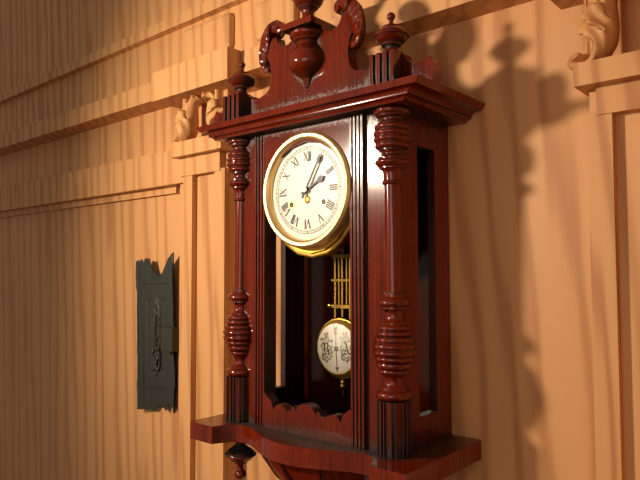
2.05
